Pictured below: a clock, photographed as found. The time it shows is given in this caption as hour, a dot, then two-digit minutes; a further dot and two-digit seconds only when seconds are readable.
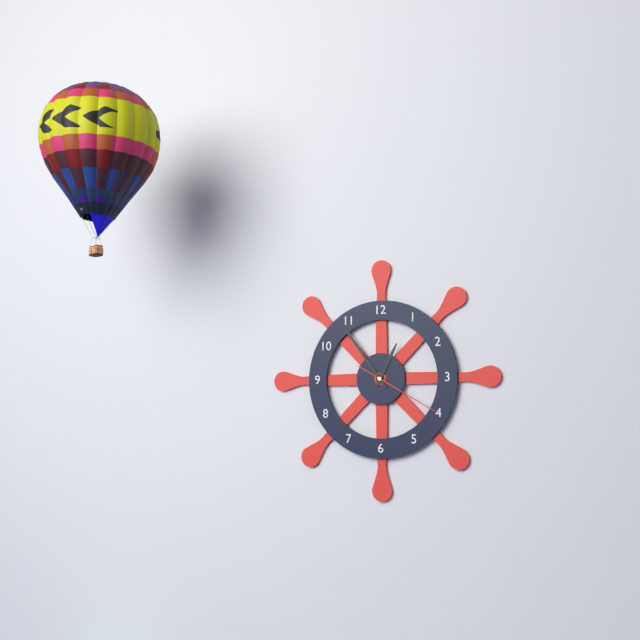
12.54.20
